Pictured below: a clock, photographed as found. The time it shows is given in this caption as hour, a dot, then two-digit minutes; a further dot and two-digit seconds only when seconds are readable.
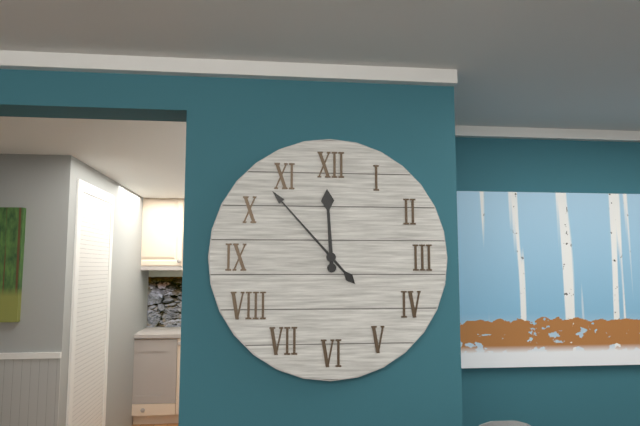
11.53
